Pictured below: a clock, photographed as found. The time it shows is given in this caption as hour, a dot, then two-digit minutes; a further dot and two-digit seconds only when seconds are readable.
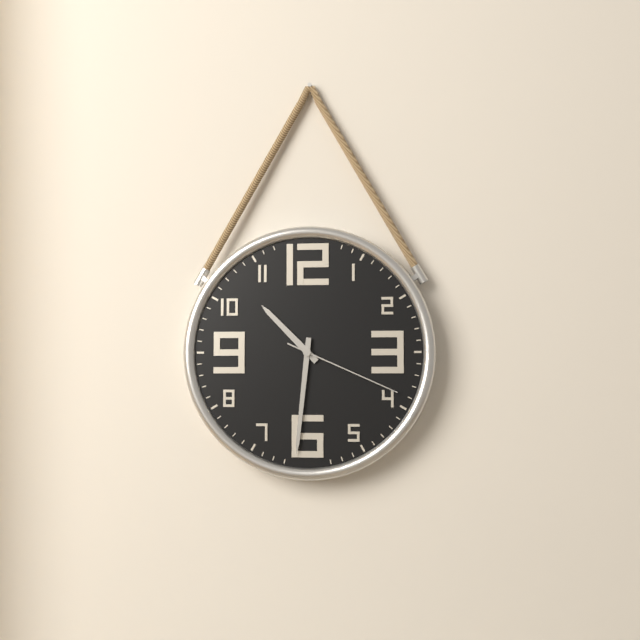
10.31.19
